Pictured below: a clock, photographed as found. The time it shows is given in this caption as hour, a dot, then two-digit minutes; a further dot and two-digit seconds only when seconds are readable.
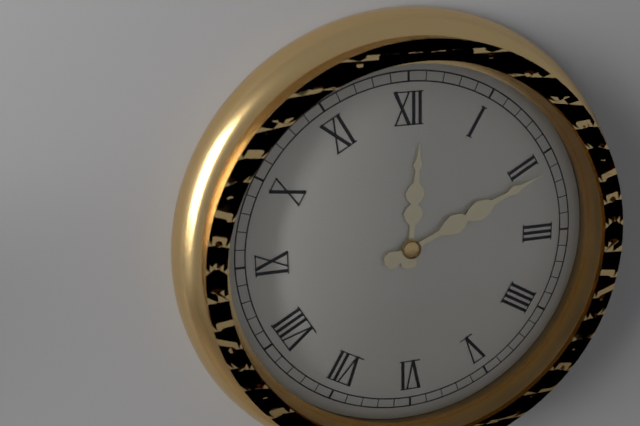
12.11
